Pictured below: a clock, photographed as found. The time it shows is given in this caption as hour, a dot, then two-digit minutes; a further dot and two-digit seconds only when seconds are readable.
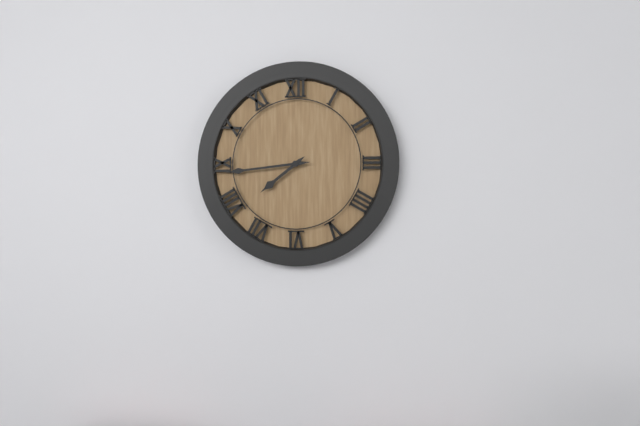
7.44
